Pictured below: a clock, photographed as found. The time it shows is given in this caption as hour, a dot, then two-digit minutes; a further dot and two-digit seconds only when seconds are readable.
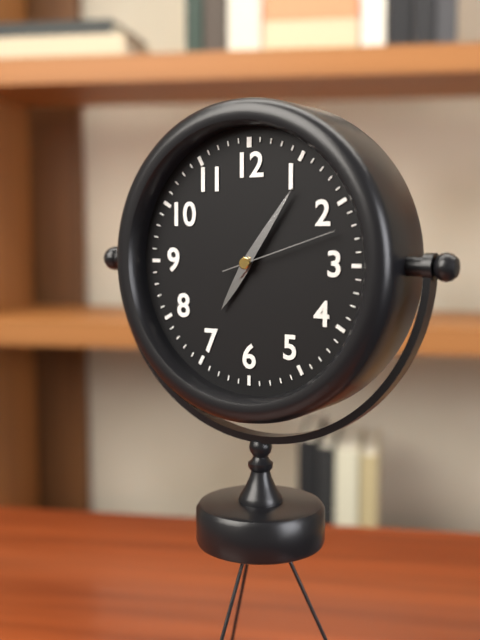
7.06.12
